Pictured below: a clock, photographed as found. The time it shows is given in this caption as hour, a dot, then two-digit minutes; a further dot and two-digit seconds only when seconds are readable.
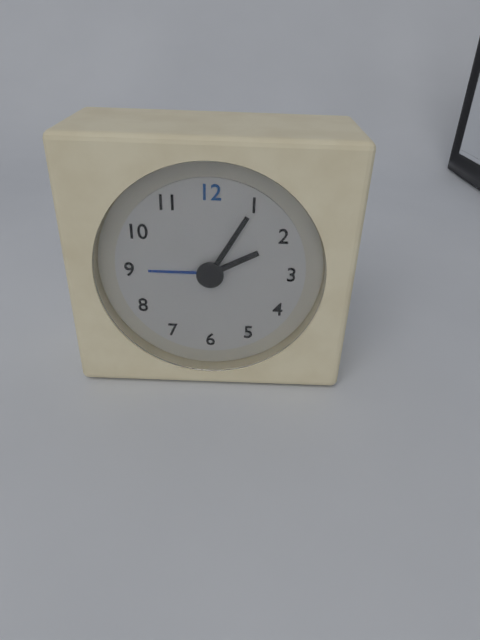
2.05
